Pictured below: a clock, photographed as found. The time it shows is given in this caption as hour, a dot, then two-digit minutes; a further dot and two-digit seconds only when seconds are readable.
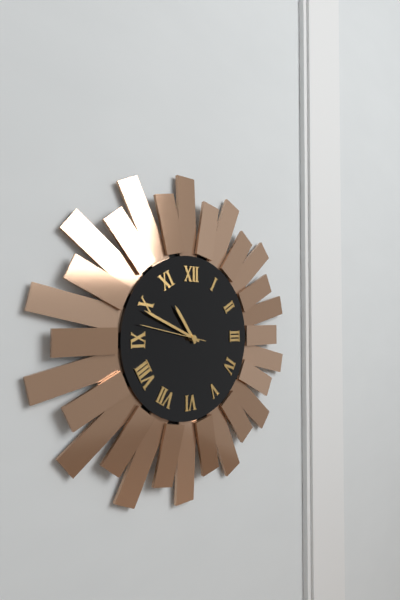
10.49.47
